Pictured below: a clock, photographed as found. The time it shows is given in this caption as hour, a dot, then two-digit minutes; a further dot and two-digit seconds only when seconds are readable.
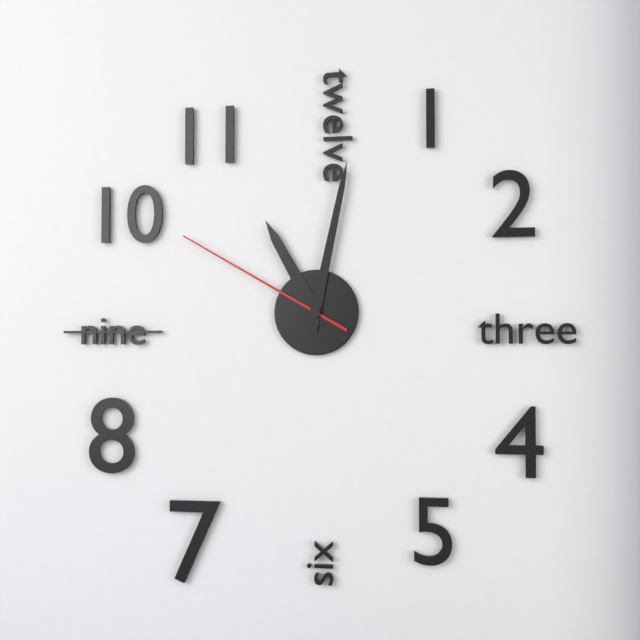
11.02.50
